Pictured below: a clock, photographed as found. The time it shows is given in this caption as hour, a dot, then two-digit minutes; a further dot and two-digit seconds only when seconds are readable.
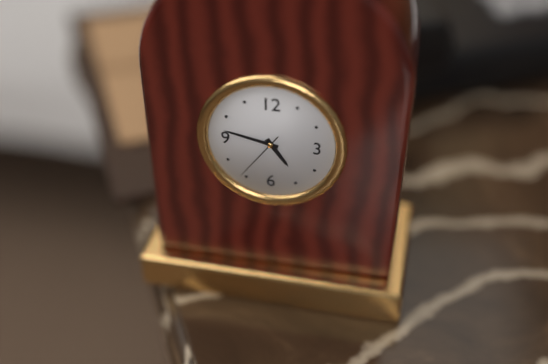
4.47.36
